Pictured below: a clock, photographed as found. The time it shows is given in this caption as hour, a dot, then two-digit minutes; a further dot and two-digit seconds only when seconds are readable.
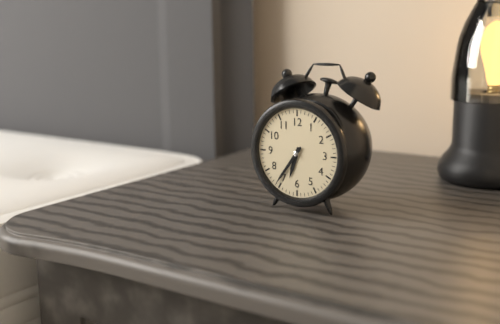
6.36
